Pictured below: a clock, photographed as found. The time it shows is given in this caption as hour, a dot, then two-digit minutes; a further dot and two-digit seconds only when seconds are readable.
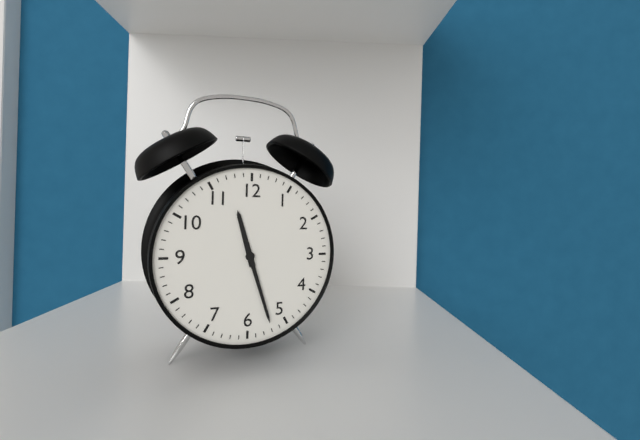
11.27
